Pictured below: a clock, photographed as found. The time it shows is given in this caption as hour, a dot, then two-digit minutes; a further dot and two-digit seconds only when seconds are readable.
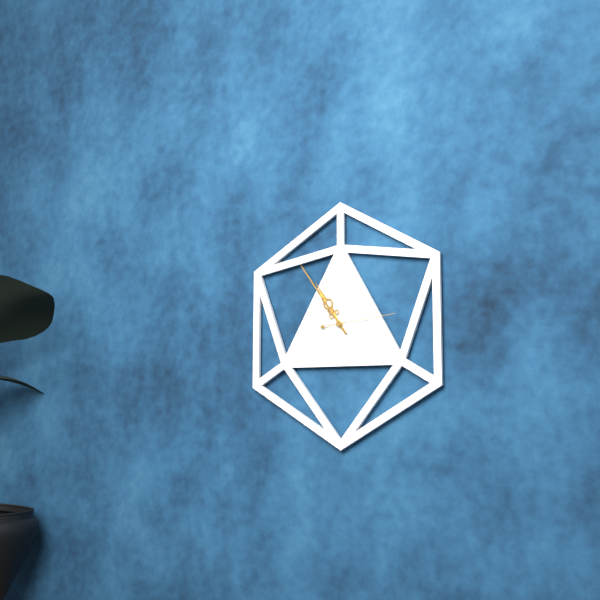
10.54.14
